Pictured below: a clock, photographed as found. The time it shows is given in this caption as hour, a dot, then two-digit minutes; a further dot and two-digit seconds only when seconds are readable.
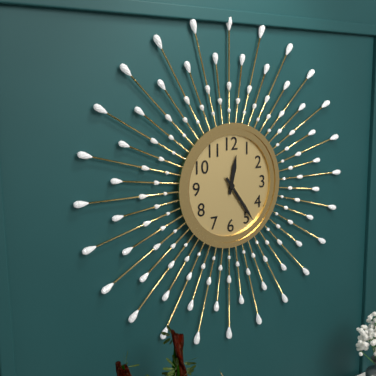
12.24
